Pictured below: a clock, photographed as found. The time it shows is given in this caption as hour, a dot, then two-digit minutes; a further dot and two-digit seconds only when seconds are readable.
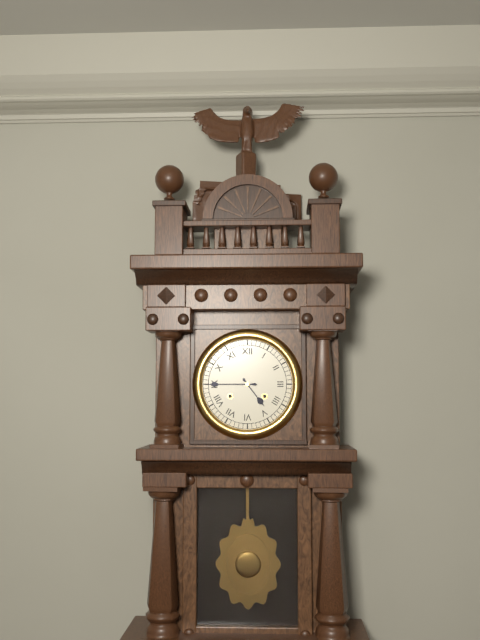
4.45
